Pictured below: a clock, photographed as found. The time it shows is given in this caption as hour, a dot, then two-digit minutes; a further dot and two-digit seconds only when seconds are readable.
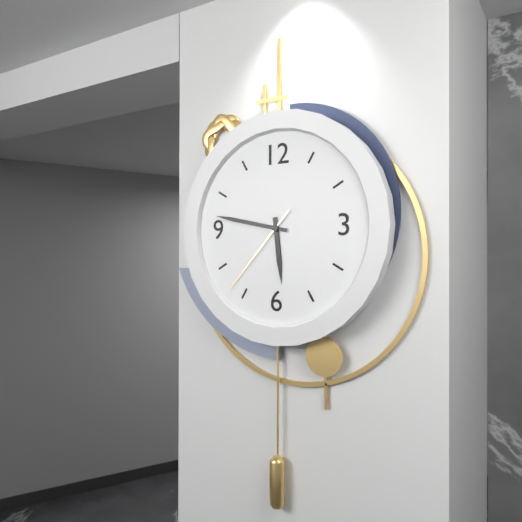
5.47.37
